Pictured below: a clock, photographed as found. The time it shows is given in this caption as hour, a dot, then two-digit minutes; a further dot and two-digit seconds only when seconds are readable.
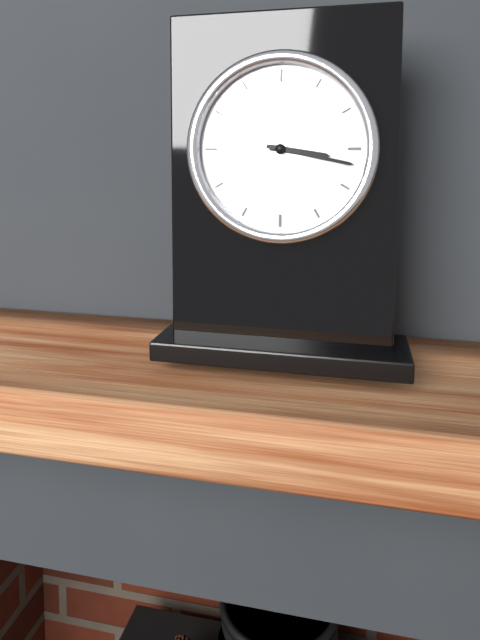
3.17
